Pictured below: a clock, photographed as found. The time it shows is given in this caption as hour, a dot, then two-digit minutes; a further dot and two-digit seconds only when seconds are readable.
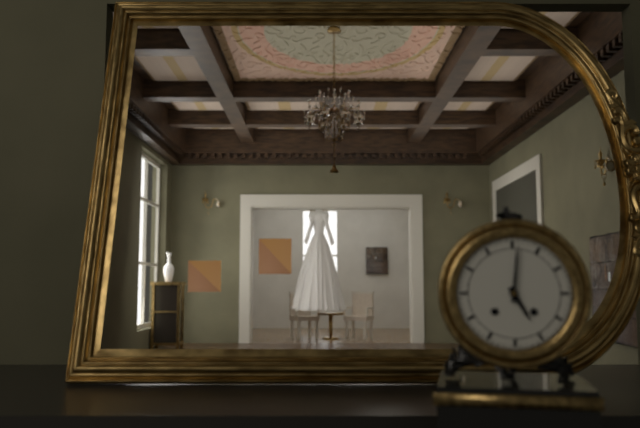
5.01
